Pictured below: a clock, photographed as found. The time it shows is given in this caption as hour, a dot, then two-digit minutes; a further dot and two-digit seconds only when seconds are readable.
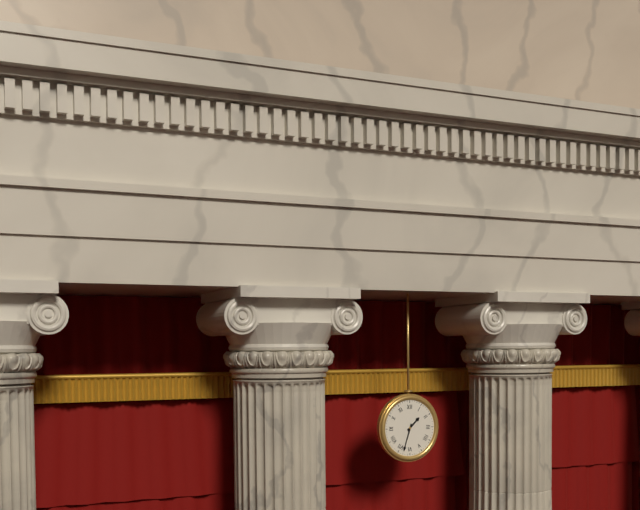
1.33
